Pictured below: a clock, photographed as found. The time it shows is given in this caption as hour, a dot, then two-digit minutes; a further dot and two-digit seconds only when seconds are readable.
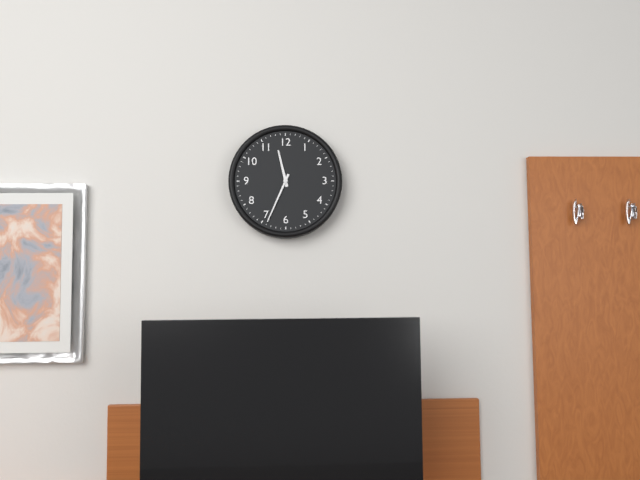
11.34
